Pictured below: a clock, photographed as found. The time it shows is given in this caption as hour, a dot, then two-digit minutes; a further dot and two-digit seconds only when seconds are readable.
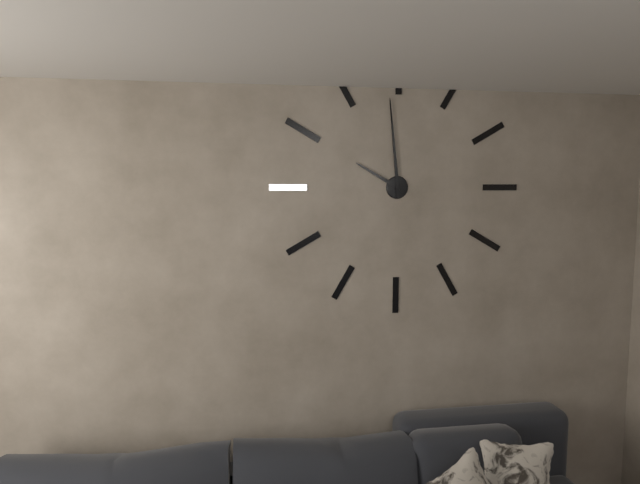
9.59
